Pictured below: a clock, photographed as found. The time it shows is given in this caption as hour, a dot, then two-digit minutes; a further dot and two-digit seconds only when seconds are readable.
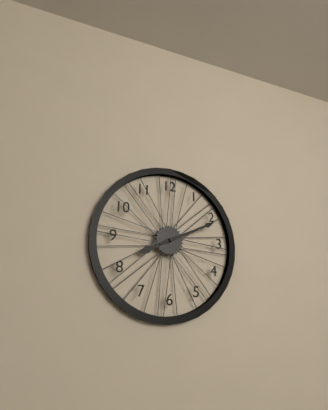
8.11
